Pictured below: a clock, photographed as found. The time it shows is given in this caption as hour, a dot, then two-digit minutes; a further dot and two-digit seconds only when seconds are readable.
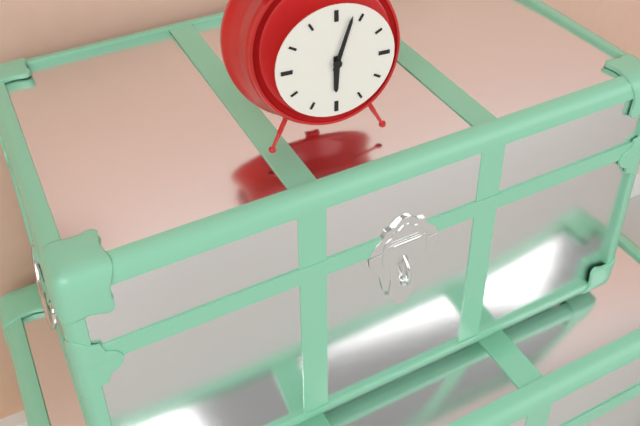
6.03
